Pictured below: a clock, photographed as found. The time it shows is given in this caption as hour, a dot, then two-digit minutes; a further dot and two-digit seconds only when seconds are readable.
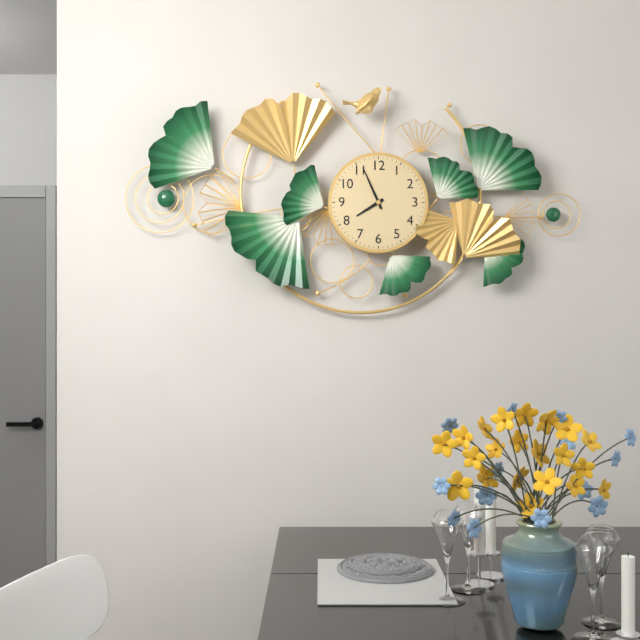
7.56
